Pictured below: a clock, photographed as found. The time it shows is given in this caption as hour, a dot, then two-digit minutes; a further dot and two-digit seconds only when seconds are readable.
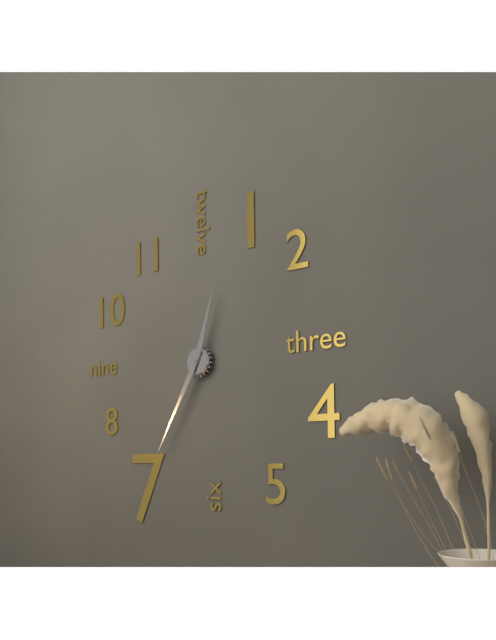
12.35
